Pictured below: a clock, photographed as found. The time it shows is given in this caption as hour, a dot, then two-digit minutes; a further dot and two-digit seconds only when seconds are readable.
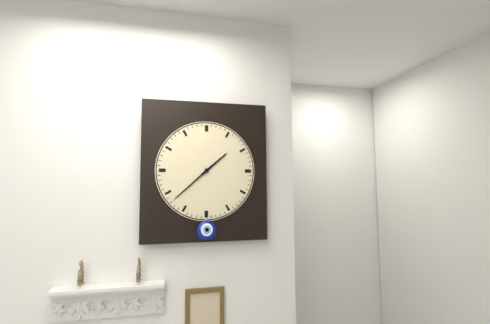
1.38
